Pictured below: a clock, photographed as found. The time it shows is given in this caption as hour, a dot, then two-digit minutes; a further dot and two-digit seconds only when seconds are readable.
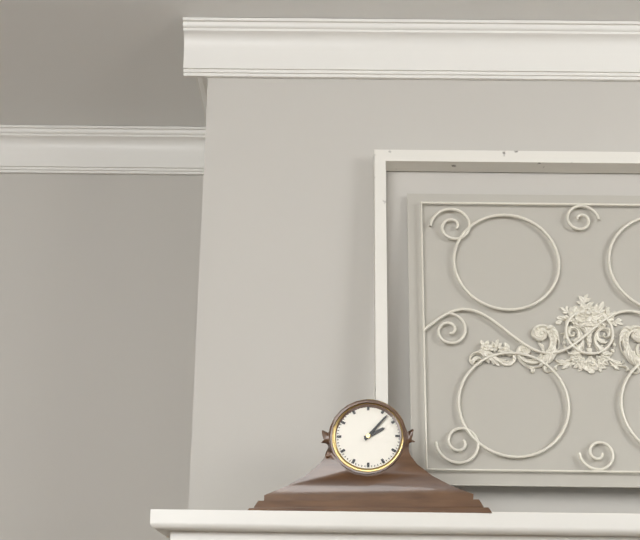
2.07
